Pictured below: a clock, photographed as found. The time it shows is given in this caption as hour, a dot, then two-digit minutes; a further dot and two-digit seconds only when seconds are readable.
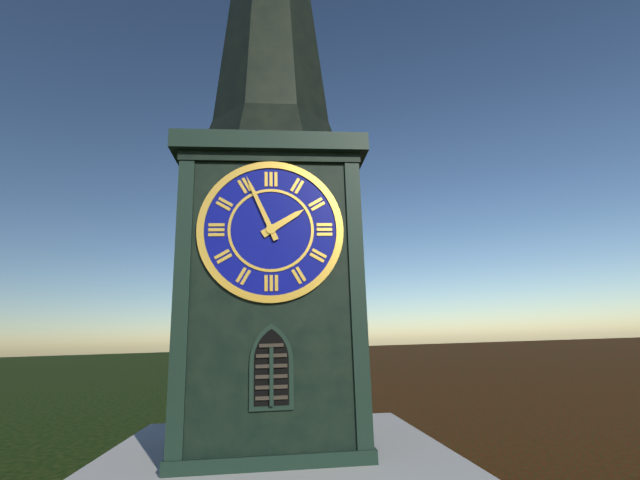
1.56
